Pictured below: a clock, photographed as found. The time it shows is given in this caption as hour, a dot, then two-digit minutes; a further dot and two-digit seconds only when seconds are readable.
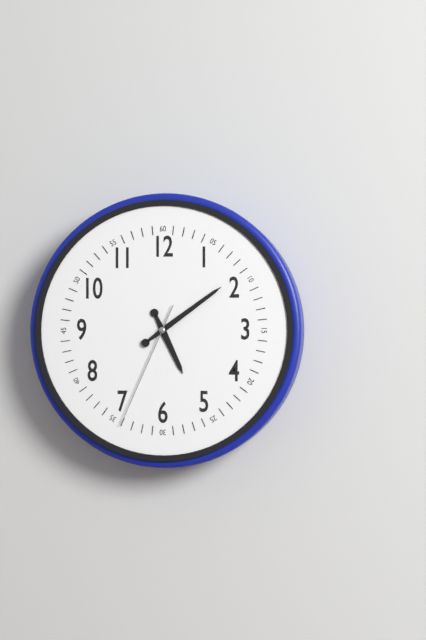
5.09.34
